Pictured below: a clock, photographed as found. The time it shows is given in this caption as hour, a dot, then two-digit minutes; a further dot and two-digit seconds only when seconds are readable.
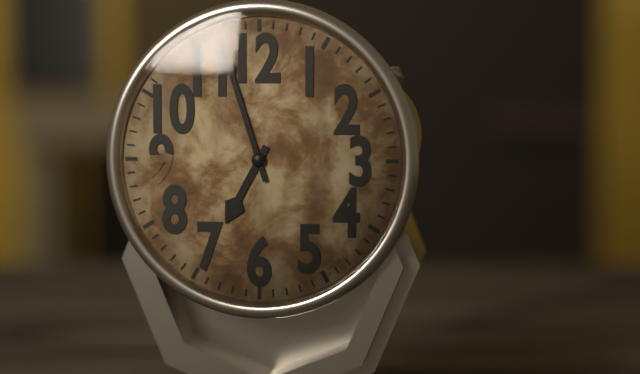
6.57
